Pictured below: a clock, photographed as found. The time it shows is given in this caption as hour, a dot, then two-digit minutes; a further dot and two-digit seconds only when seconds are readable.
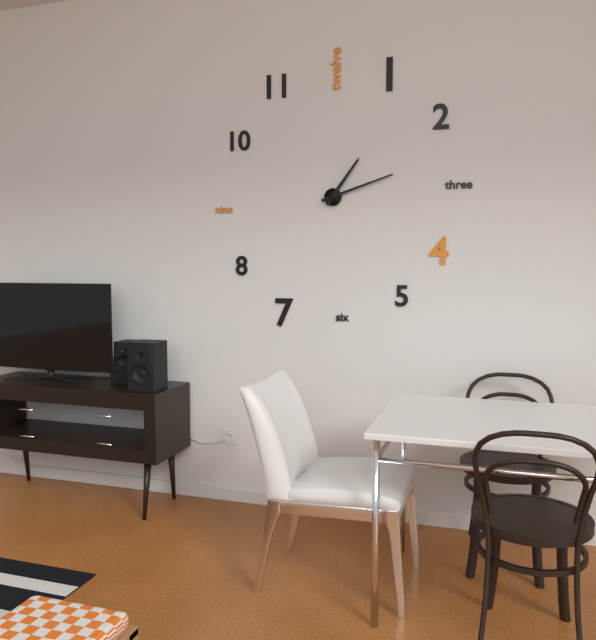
1.12
